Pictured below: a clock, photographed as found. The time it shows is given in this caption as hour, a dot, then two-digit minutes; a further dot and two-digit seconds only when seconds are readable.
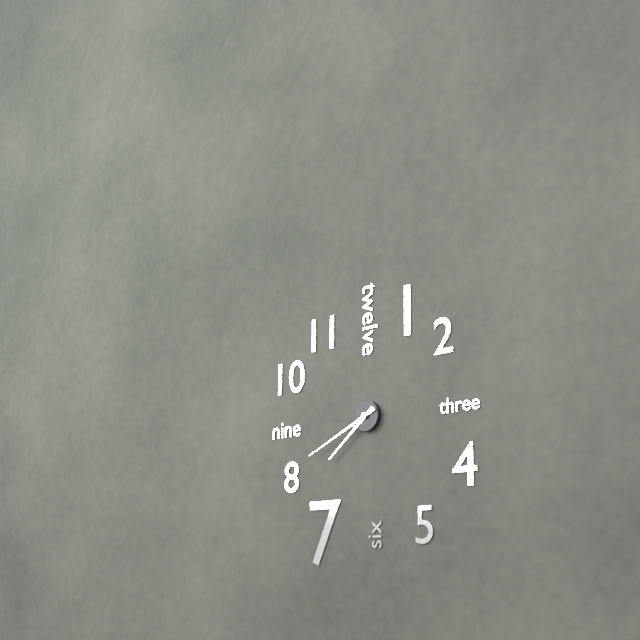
7.41
